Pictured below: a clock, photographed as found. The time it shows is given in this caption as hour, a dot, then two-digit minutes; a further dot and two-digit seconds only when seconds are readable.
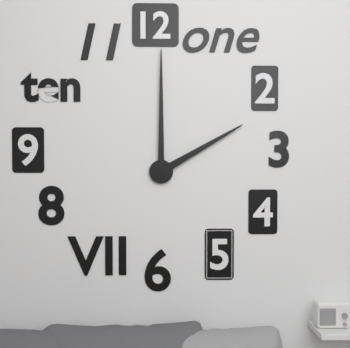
2.00
